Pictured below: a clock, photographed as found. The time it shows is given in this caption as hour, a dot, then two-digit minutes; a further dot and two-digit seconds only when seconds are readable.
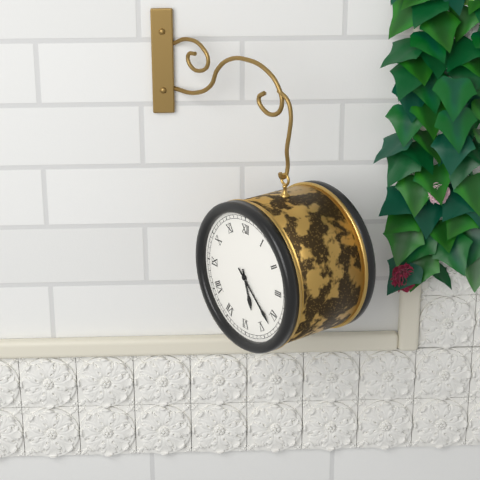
5.22
